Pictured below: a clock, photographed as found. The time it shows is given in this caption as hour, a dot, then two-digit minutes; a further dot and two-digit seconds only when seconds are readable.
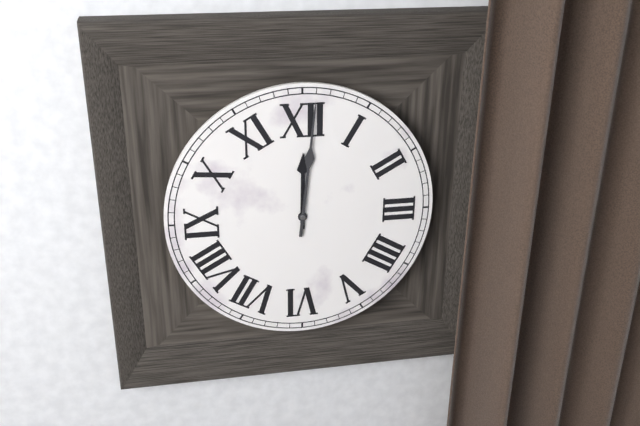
12.01
